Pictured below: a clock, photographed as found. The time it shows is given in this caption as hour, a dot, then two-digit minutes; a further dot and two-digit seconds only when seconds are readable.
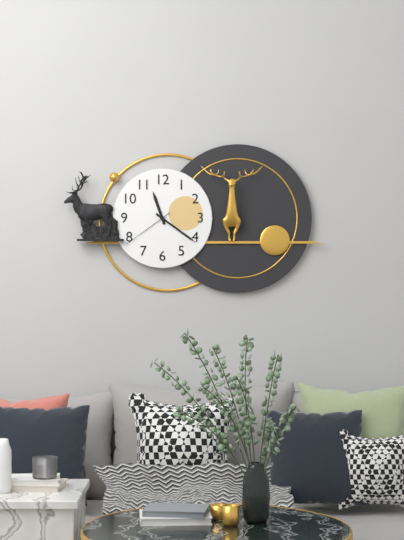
11.21.39
